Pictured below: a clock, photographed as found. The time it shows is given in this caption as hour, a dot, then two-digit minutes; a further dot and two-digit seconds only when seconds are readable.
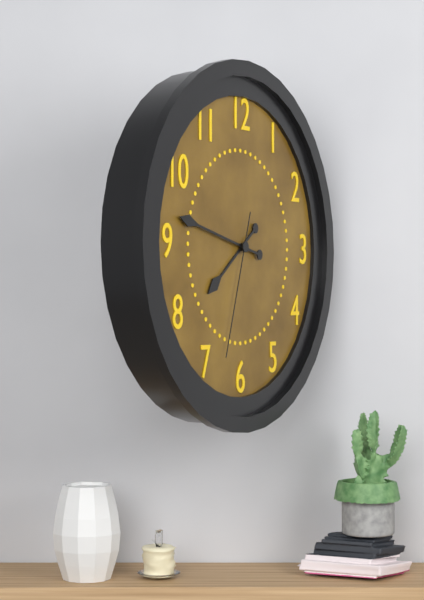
7.47.33
